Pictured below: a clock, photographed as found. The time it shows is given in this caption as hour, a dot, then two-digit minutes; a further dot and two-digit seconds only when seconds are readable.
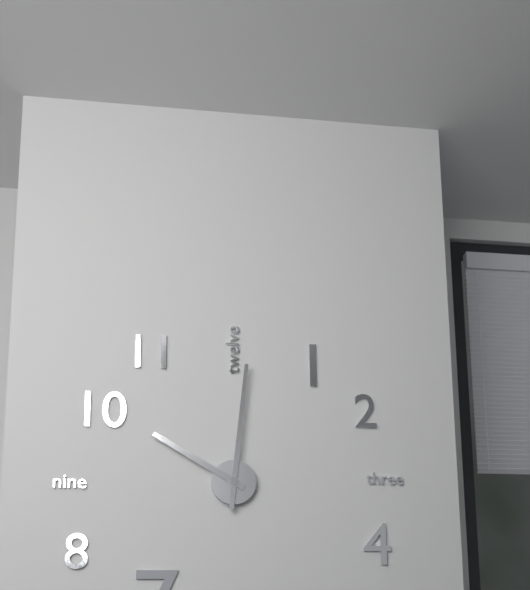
10.01
